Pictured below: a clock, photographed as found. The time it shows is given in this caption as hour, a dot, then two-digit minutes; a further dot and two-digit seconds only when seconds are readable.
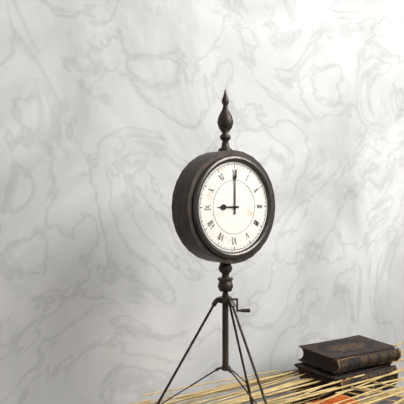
9.00
